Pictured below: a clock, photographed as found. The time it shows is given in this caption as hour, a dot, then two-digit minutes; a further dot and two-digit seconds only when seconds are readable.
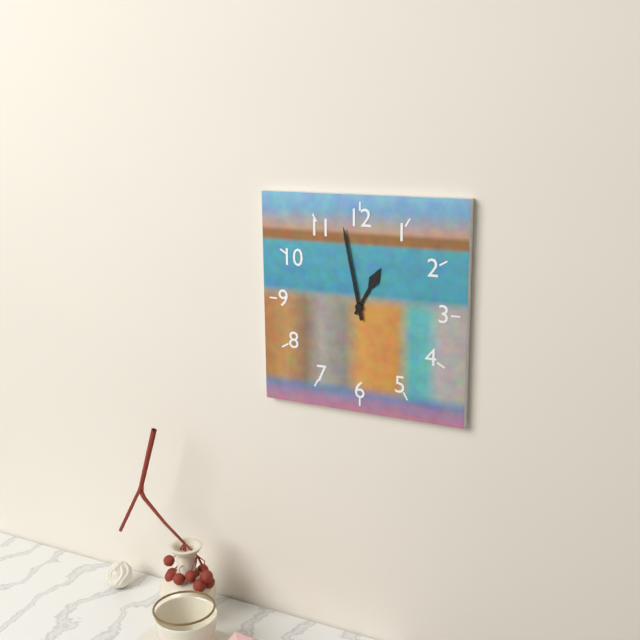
12.58
